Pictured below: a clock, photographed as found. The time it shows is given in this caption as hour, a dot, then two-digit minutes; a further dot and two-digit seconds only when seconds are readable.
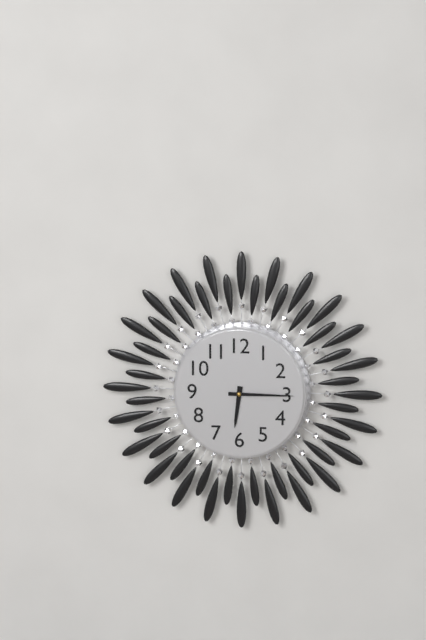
6.15
